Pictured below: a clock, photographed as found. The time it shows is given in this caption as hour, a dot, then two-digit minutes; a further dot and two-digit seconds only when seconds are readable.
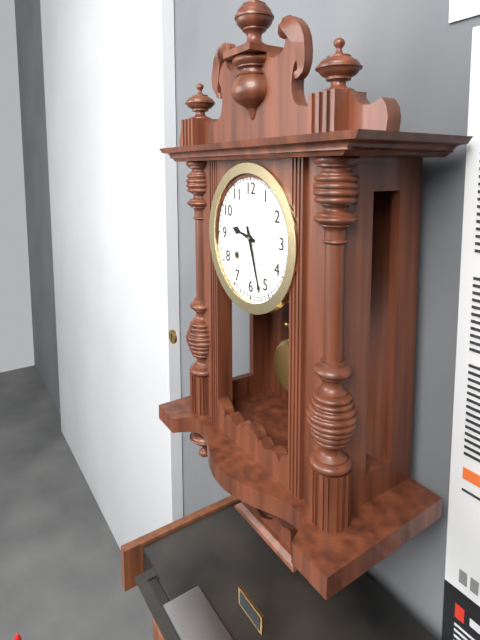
9.27
